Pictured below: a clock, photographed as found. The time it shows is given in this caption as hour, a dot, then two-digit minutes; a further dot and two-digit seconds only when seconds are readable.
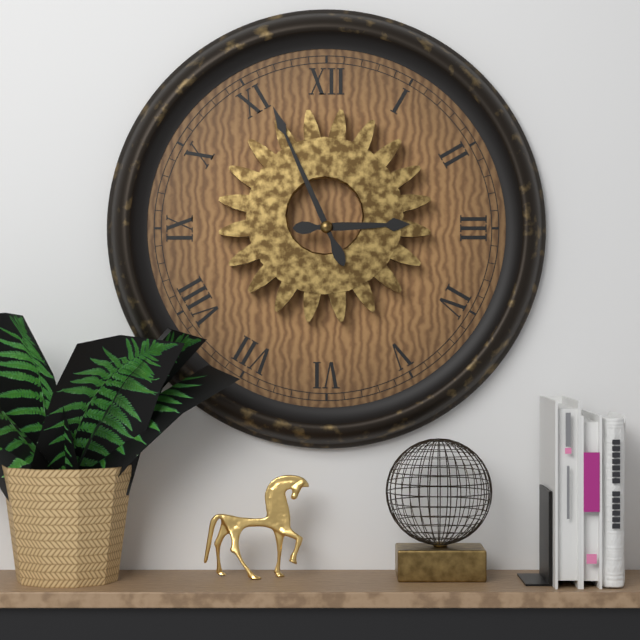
2.56
